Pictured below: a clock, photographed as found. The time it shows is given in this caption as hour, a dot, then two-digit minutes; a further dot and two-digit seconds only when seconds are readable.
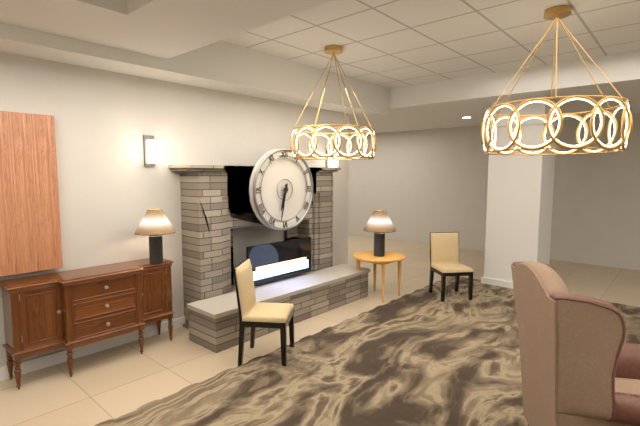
6.32
